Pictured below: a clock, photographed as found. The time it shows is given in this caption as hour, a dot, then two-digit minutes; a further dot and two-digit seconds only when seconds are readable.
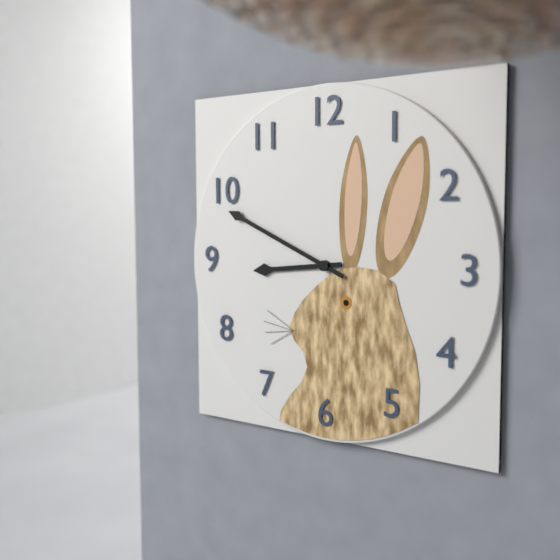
8.49
